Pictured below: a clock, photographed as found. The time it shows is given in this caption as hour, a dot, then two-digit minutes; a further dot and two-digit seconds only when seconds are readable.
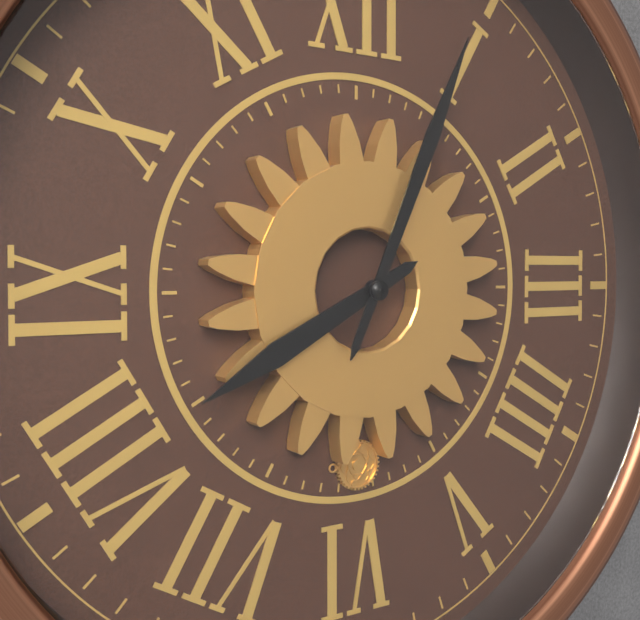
8.04
